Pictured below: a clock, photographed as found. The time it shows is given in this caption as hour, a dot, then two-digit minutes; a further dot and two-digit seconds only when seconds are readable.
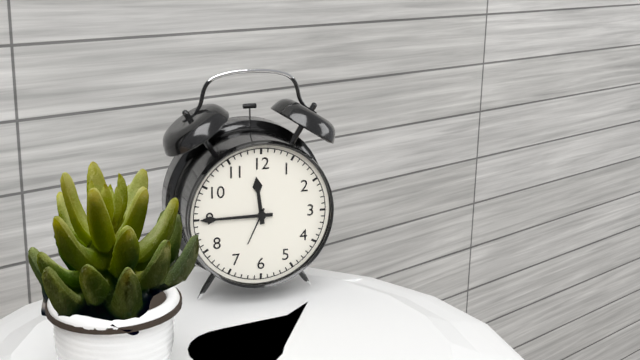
11.45
